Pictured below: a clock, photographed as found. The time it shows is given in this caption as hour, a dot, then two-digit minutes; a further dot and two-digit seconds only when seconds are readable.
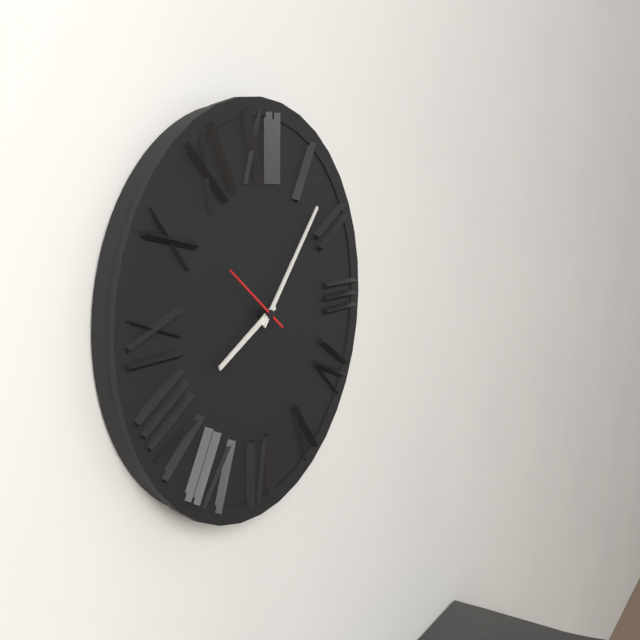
8.07.51
